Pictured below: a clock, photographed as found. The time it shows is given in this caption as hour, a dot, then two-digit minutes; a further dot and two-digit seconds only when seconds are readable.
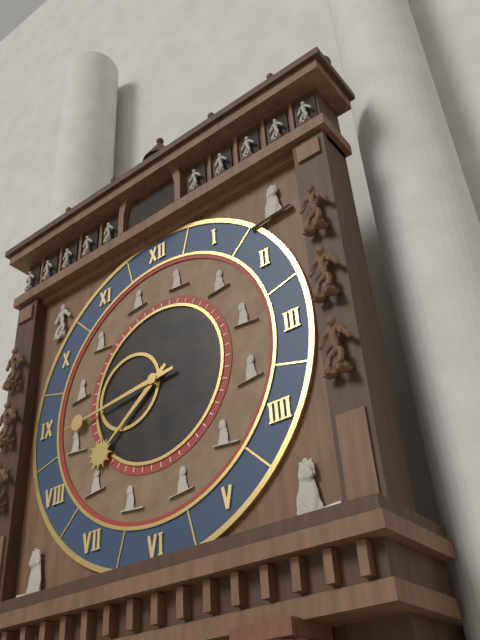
7.44
